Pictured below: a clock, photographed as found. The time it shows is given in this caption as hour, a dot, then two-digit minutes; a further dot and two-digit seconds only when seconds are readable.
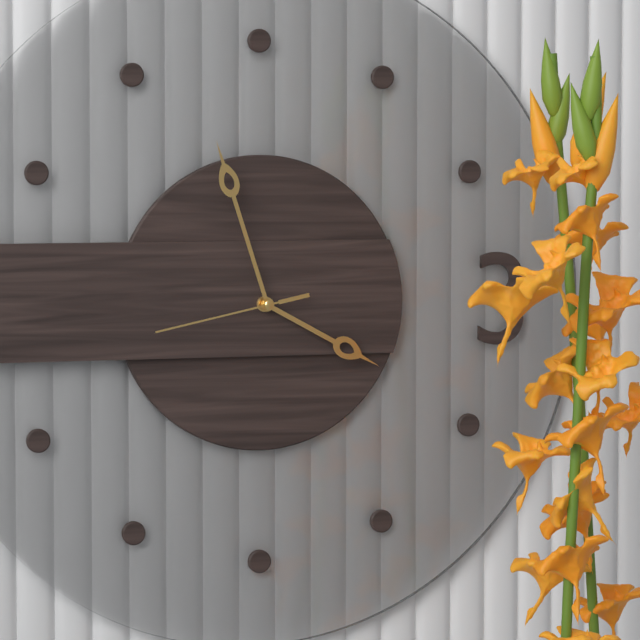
3.57.43
